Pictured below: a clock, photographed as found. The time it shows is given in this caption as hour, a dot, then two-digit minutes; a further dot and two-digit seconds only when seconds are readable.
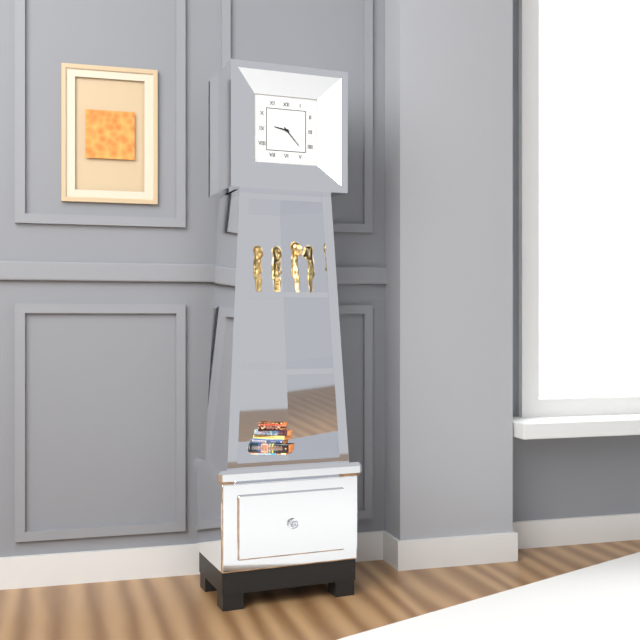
9.23
